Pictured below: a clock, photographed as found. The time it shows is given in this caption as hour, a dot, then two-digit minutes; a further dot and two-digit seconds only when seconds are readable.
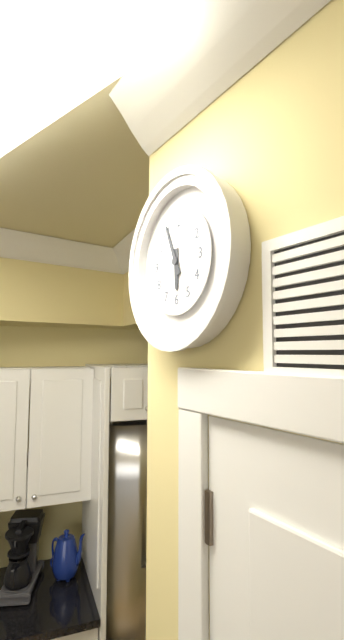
5.56
